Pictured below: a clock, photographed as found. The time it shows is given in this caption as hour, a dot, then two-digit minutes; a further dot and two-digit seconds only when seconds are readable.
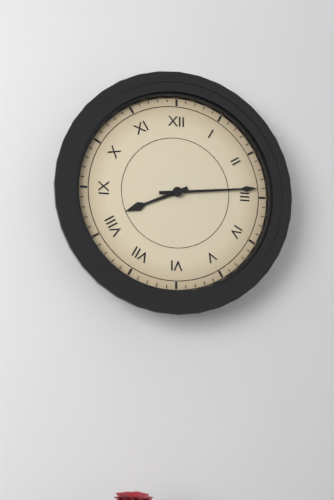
8.14
